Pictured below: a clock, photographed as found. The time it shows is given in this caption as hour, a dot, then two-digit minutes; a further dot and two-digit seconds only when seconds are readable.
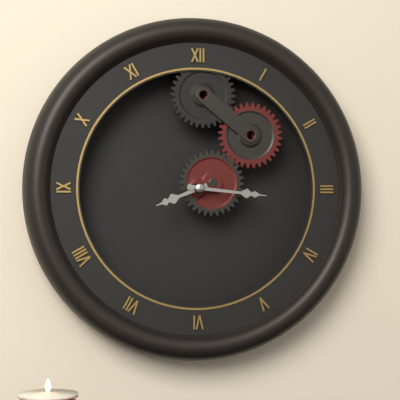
8.16
